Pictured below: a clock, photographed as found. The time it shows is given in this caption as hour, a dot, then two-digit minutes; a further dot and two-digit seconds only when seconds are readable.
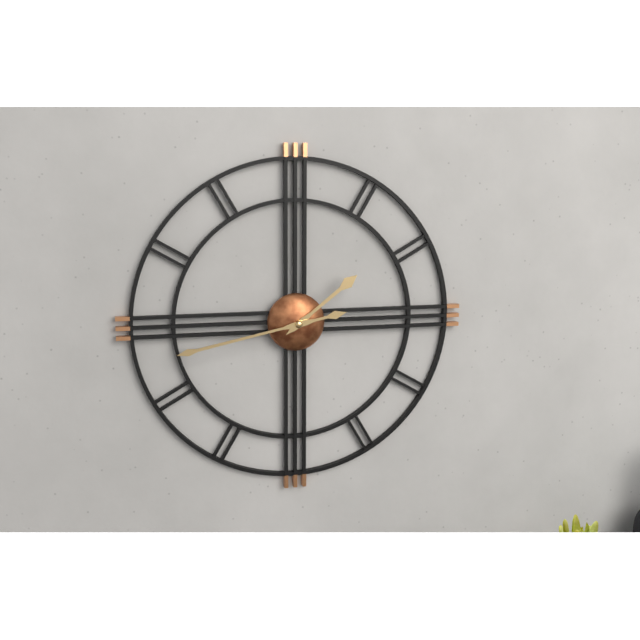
1.43
